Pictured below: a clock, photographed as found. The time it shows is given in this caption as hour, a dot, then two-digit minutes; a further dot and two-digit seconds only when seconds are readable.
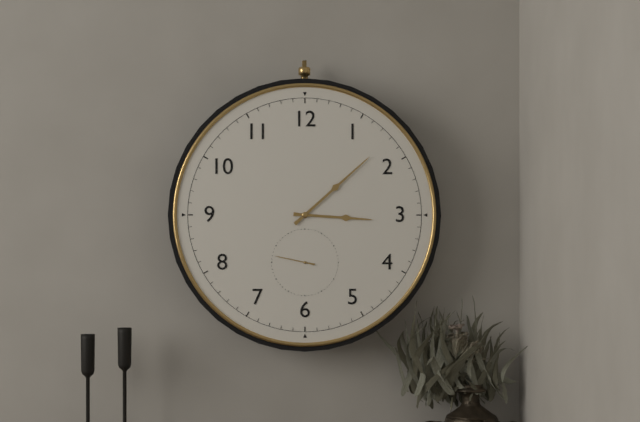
3.08
